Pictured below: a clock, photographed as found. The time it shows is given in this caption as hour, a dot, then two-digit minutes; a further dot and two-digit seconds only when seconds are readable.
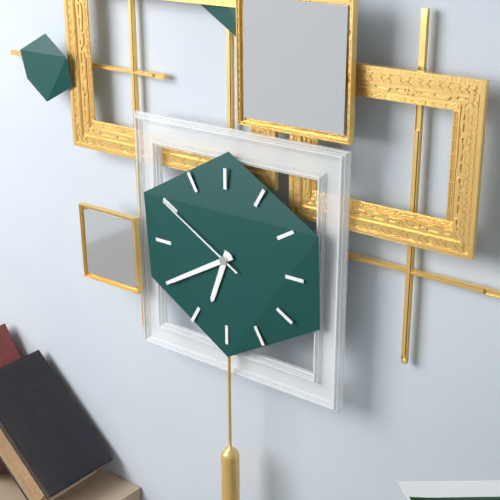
6.40.50
